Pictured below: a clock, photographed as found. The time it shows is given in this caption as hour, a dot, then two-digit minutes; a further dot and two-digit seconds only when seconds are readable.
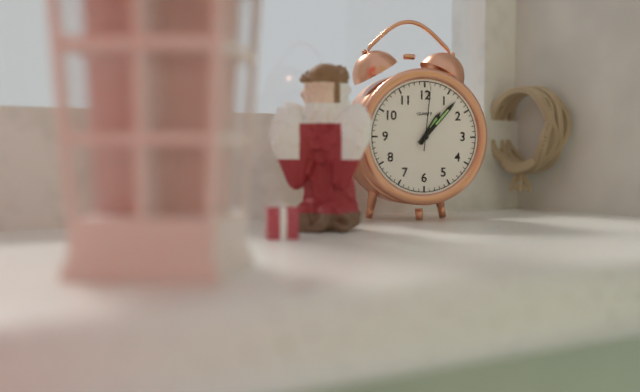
1.07.01
